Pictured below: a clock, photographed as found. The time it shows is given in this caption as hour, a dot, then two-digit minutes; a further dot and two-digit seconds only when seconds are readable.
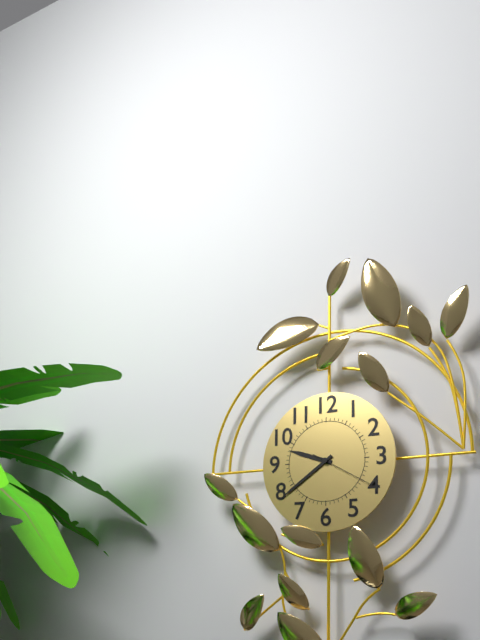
9.39.20
